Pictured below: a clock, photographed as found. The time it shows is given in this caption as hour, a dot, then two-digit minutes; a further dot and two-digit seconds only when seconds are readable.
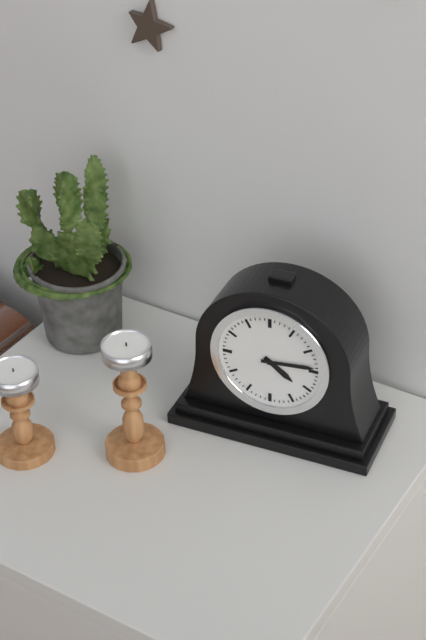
4.14
